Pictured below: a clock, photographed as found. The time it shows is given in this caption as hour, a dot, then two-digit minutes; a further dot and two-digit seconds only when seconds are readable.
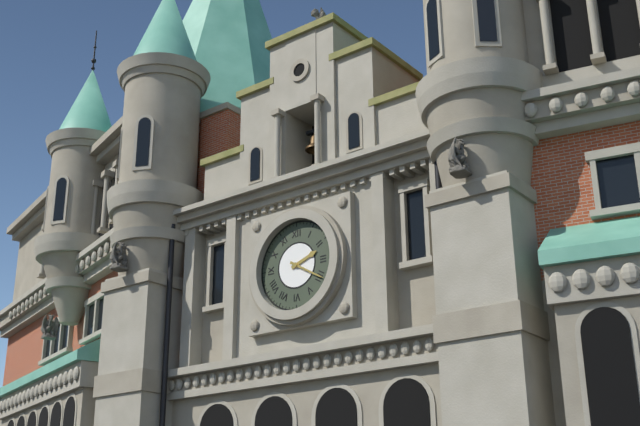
2.20
